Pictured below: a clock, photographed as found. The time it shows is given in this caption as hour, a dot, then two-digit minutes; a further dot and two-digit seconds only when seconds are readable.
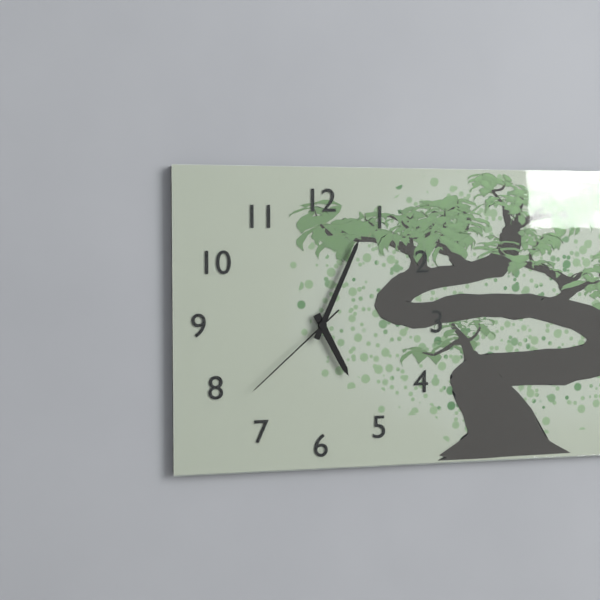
5.04.38
